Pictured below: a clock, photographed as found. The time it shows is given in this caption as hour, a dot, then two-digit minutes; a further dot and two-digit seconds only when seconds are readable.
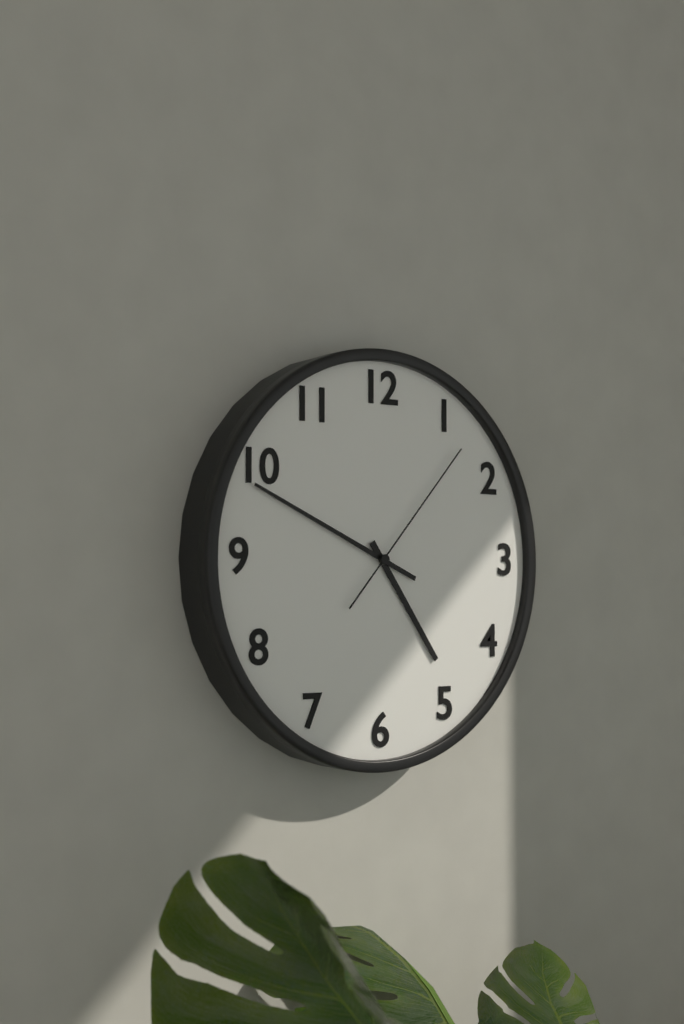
4.49.07
